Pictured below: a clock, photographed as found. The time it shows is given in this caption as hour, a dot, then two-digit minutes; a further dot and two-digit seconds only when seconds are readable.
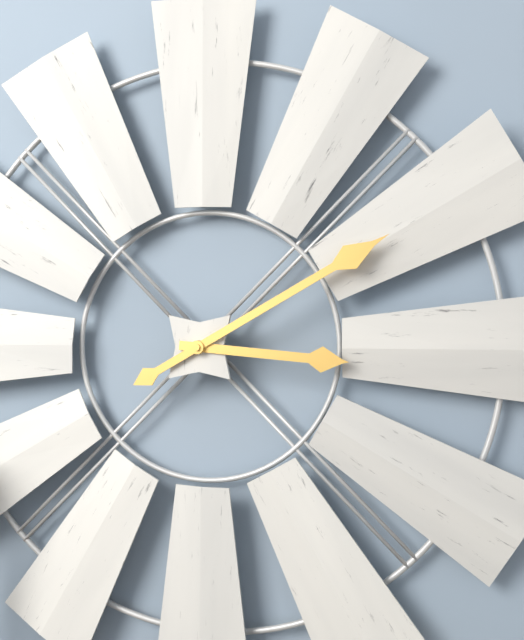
3.10
